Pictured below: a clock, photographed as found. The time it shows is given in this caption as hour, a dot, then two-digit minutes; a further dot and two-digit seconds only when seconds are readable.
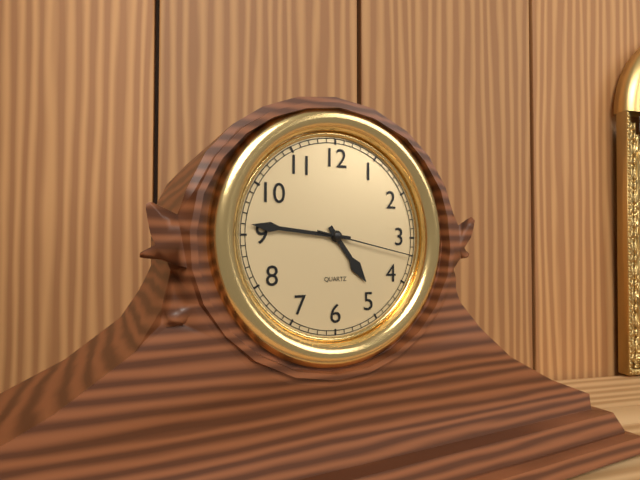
4.46.17
